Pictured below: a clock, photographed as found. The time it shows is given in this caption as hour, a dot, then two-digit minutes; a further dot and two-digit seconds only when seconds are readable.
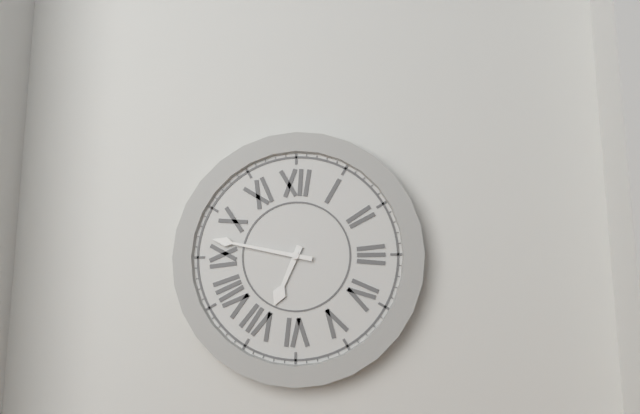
6.47
